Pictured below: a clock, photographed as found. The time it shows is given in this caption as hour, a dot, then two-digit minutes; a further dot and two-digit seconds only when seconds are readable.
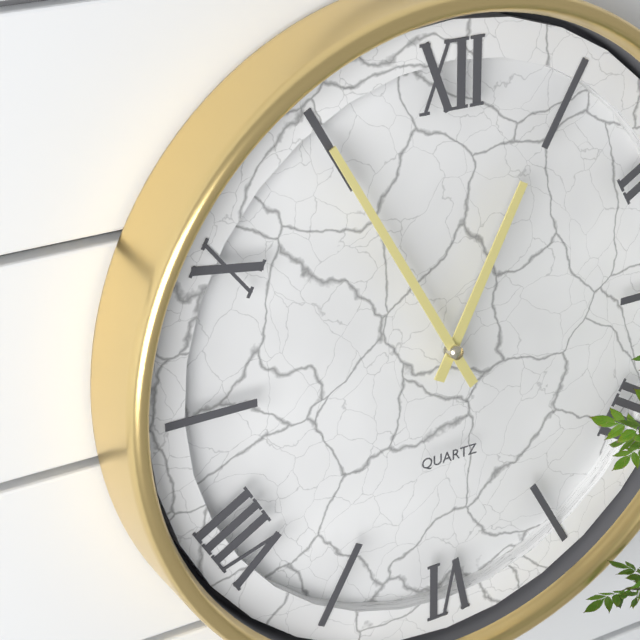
12.55
